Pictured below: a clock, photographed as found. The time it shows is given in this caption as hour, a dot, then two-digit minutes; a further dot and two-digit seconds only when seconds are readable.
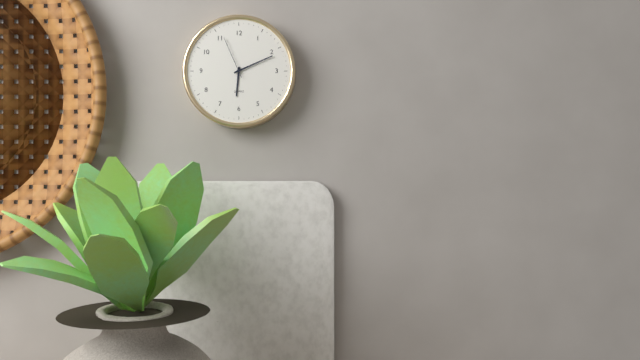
6.11
